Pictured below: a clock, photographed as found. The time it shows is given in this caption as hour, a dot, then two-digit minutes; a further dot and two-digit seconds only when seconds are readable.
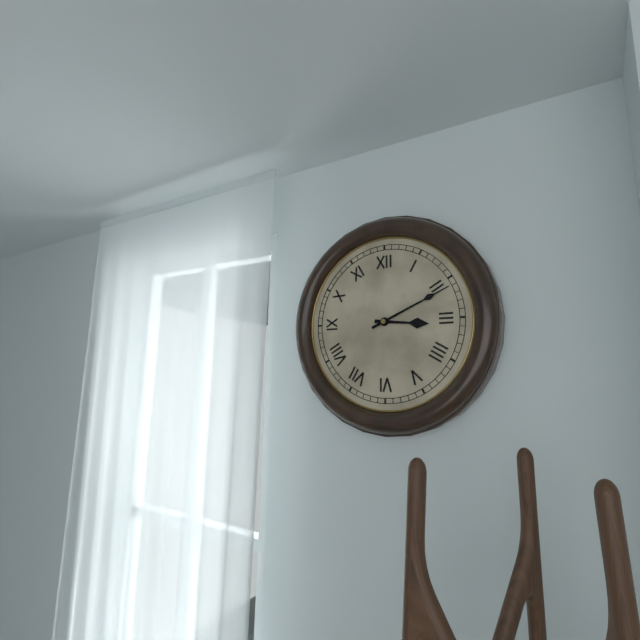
3.11
